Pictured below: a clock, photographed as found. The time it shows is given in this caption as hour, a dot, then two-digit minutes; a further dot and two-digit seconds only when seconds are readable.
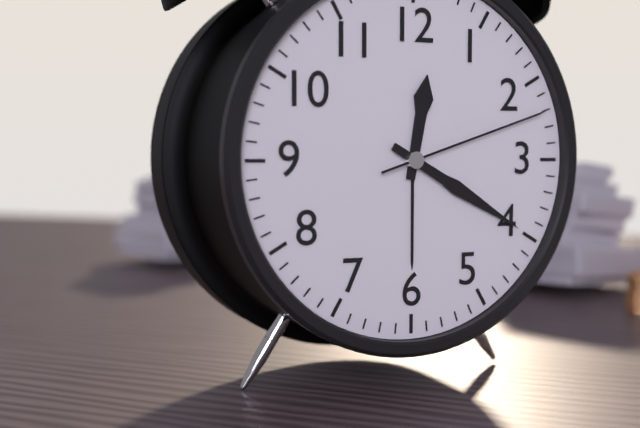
12.20.12
